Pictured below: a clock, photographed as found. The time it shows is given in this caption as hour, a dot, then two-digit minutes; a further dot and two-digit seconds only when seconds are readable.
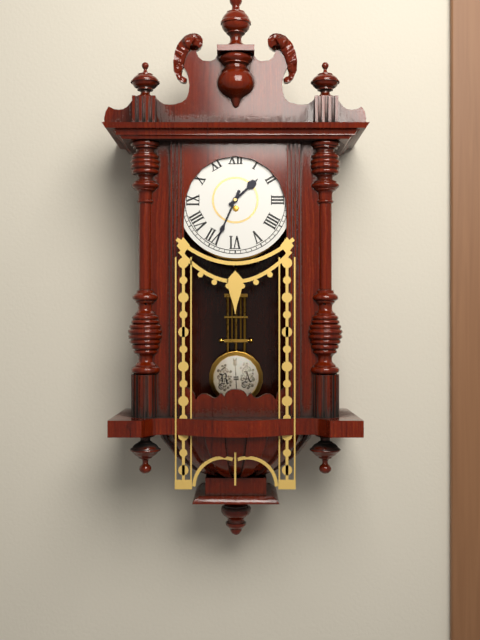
1.34
